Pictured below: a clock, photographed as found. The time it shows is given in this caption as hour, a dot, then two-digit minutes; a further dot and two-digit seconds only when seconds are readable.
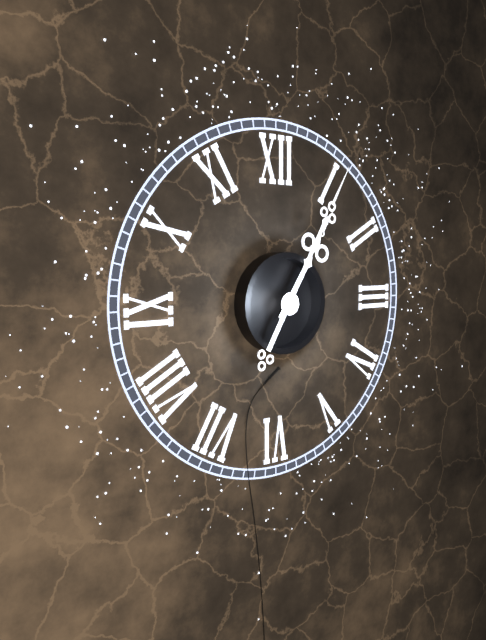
1.05
